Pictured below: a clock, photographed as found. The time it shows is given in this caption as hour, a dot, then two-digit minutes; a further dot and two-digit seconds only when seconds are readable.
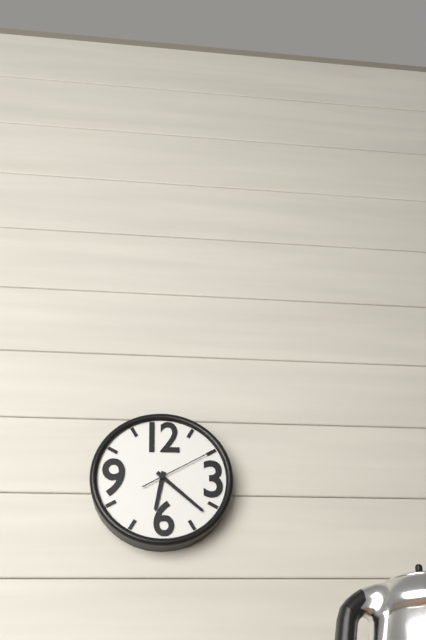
6.22.10
